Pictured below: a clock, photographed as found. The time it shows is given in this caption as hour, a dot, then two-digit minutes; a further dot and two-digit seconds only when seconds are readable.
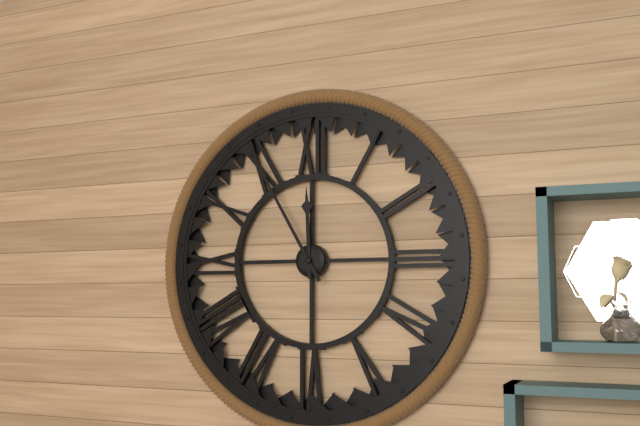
11.55
